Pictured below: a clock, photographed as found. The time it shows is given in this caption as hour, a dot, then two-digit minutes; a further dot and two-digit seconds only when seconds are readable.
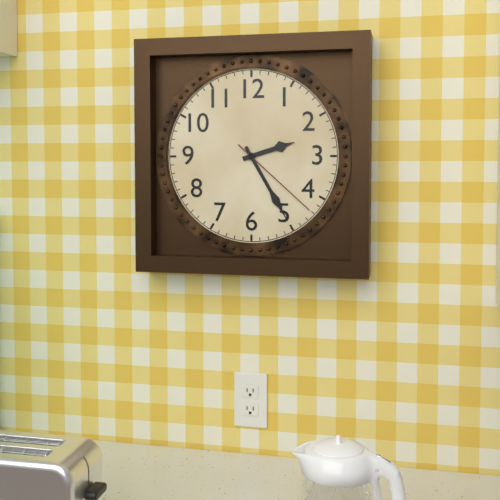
2.25.22
